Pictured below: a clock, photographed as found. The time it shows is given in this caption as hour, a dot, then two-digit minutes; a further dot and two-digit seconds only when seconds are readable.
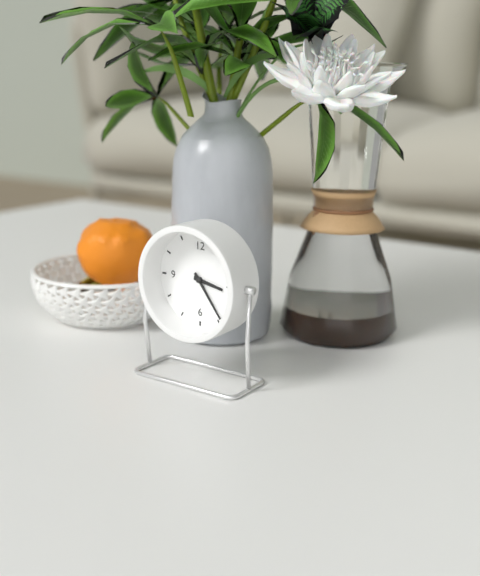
3.24
